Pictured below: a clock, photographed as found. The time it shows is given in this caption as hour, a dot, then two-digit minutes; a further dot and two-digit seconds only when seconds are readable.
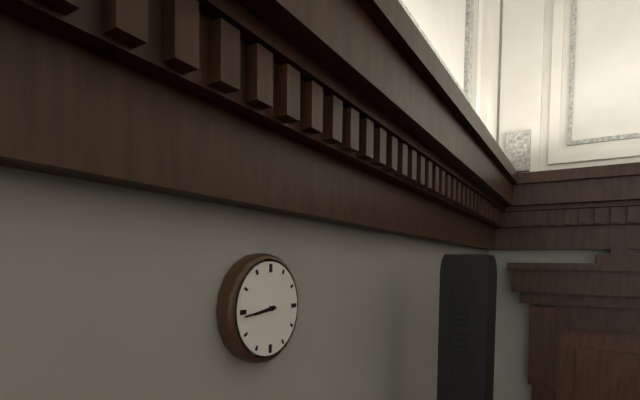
8.44
